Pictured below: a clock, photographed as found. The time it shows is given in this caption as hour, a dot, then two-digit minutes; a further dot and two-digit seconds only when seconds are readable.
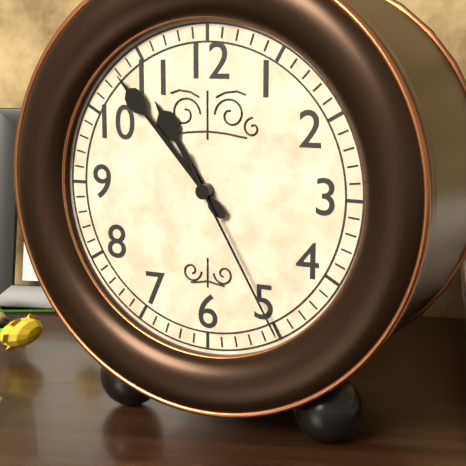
10.53.25
